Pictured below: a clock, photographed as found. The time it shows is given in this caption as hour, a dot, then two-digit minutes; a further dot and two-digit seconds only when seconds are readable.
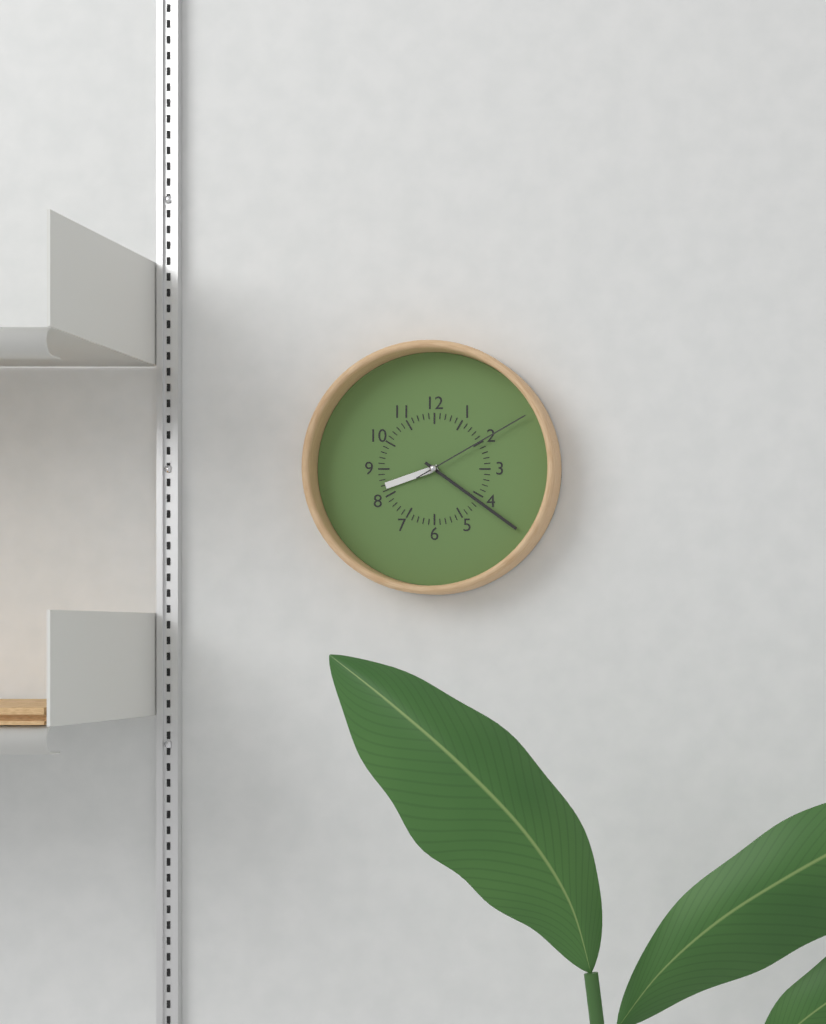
8.21.10
